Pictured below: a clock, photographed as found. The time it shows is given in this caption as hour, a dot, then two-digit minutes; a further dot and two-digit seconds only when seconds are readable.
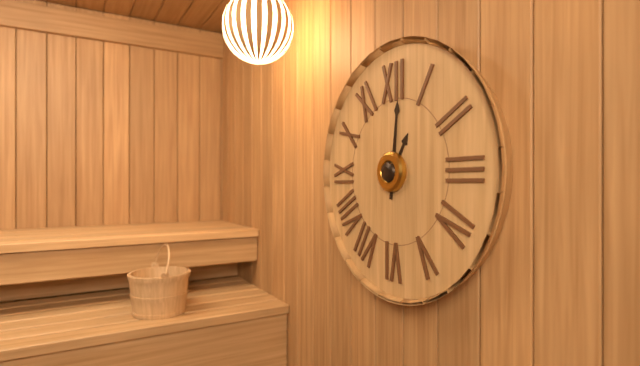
1.01
